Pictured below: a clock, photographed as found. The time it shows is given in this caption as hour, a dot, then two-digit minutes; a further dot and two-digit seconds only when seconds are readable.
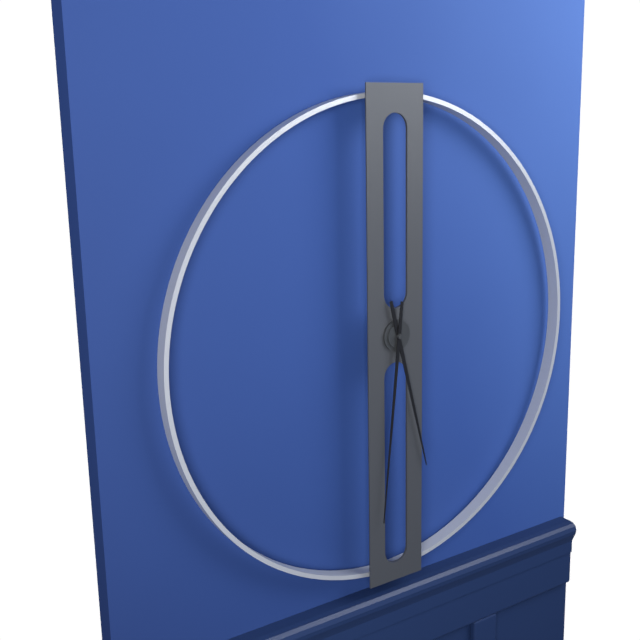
5.31
